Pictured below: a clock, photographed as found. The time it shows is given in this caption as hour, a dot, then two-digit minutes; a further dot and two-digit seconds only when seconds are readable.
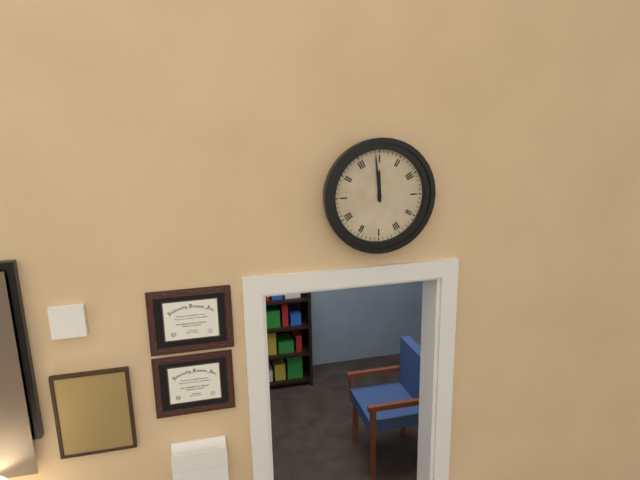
11.59
